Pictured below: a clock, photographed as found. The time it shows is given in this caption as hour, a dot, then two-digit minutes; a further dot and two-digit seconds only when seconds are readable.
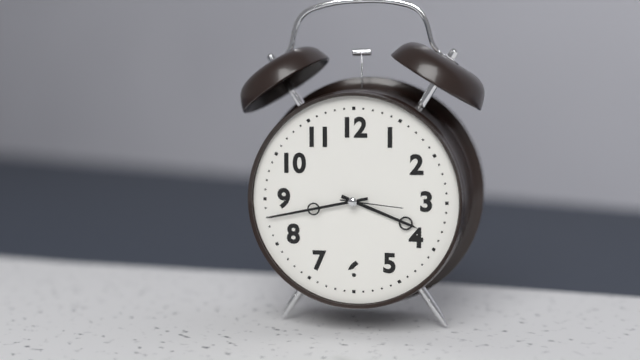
3.43.16
